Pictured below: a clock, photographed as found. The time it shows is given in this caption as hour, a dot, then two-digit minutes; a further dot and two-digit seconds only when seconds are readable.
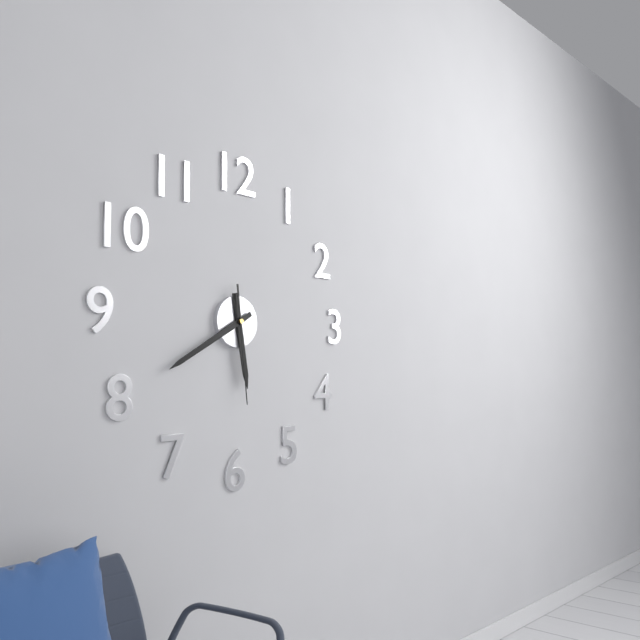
5.40.29
